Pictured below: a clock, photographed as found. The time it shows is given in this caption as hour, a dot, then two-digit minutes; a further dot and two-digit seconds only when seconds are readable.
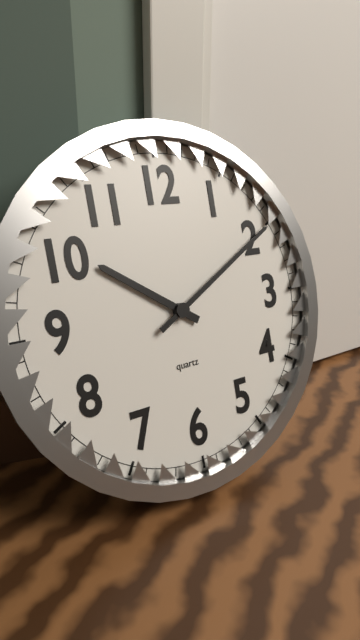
10.10
